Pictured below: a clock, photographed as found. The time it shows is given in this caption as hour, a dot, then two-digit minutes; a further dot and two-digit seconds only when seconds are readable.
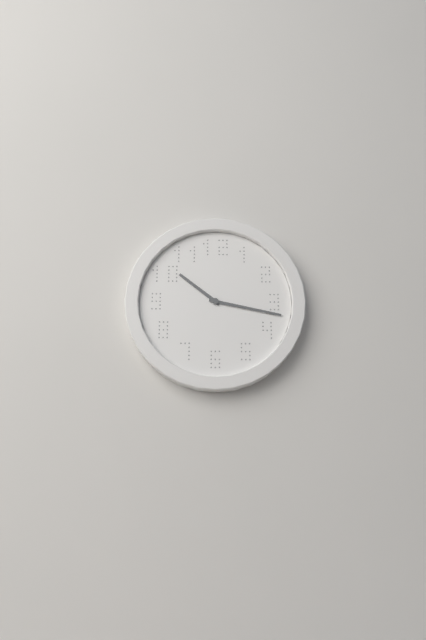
10.17
